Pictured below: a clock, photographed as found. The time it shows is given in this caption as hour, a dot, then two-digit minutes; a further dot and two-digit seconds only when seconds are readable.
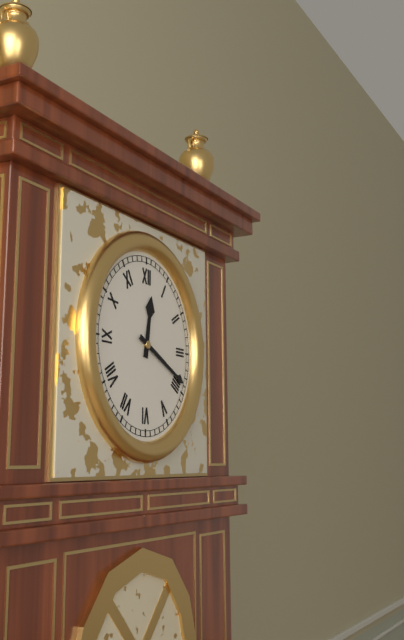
12.19
